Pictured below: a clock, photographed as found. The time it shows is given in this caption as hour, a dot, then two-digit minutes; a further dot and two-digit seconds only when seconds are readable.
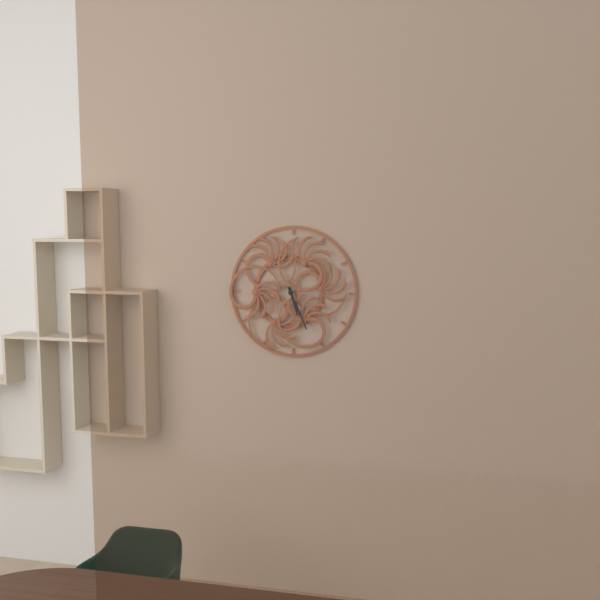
5.26
